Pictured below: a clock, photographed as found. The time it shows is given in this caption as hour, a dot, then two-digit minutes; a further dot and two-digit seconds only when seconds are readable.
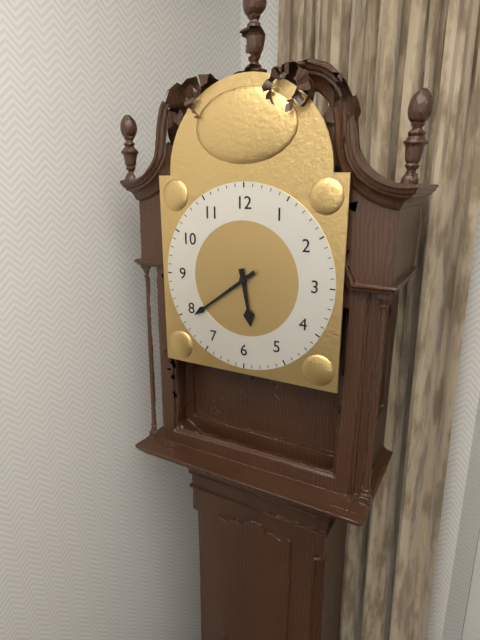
5.39
